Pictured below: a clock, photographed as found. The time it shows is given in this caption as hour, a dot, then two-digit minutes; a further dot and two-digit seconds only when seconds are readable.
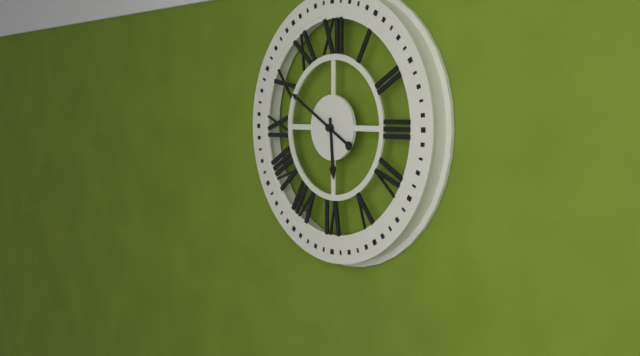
5.50
